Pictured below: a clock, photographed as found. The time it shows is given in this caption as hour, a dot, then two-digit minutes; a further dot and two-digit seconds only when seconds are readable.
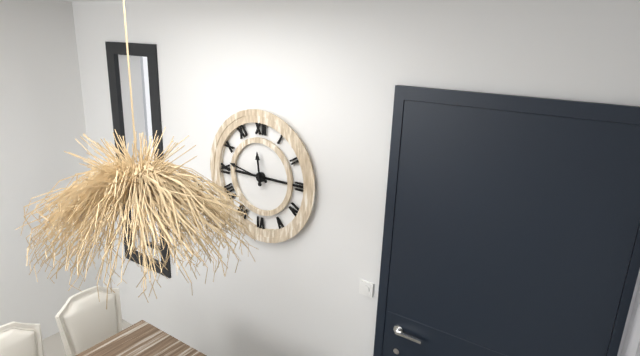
11.47
